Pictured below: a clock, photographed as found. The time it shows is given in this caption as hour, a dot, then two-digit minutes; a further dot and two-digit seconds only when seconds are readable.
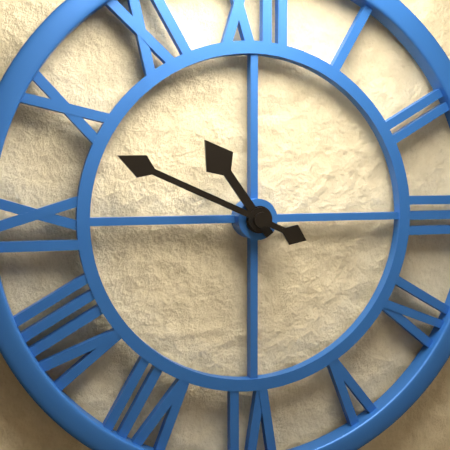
10.49
